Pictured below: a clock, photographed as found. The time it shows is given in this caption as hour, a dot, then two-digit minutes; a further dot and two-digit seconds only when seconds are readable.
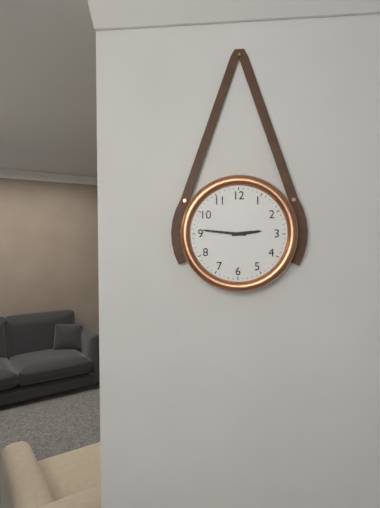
2.46
